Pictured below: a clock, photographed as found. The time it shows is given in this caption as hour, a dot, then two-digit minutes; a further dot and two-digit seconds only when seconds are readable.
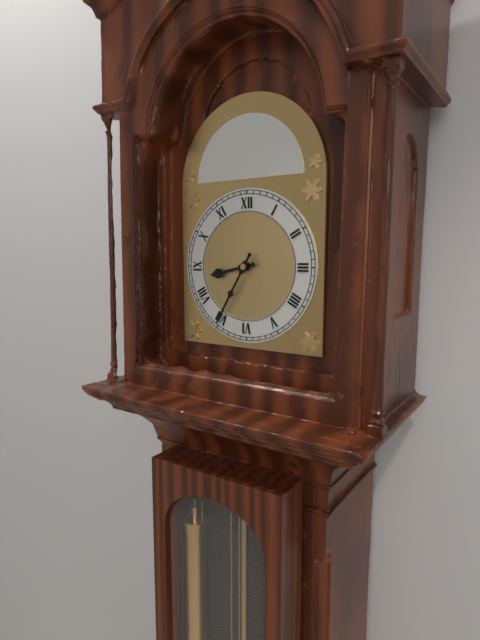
8.35
